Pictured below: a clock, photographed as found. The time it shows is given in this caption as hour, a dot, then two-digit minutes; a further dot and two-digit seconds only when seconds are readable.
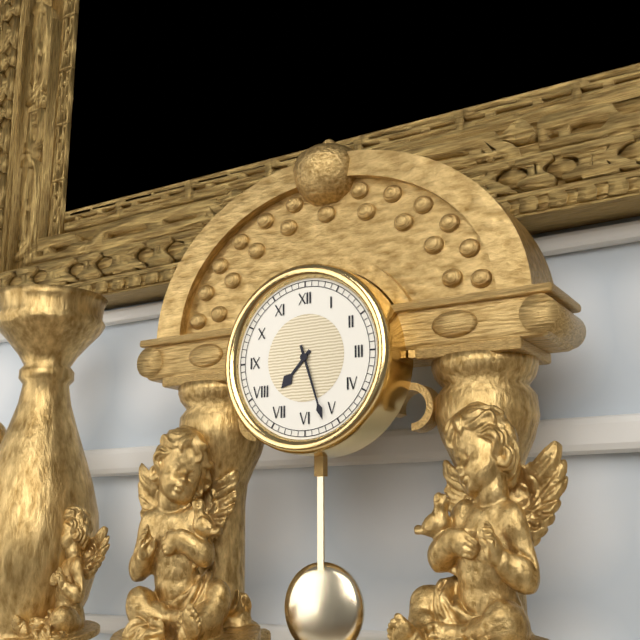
7.27
